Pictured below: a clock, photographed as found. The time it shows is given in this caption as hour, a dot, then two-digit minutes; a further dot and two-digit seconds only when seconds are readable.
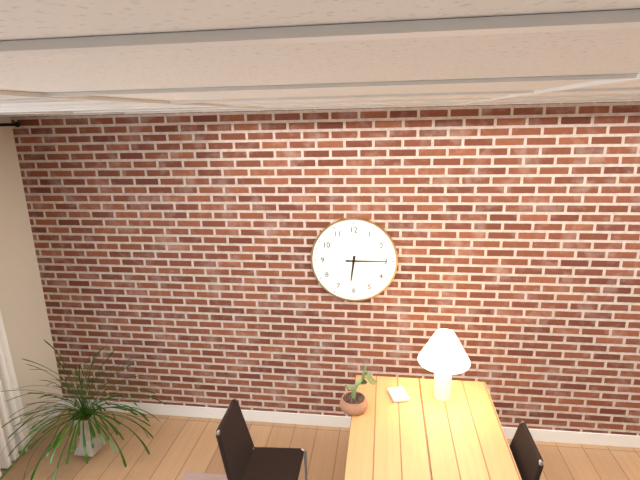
6.15
